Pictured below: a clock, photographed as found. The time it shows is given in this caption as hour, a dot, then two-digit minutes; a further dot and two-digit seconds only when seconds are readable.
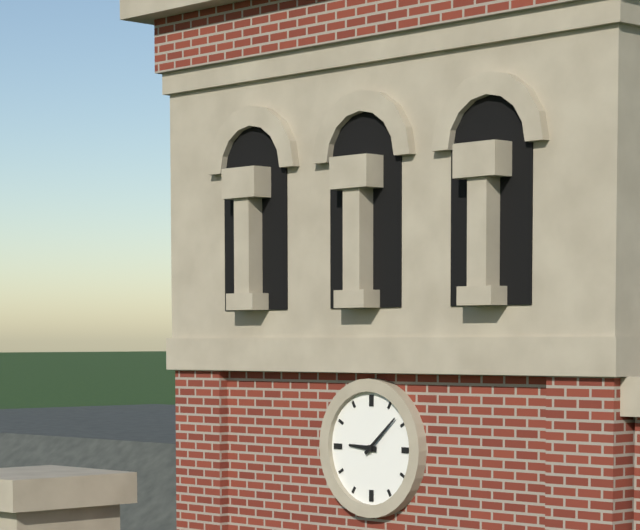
9.08
